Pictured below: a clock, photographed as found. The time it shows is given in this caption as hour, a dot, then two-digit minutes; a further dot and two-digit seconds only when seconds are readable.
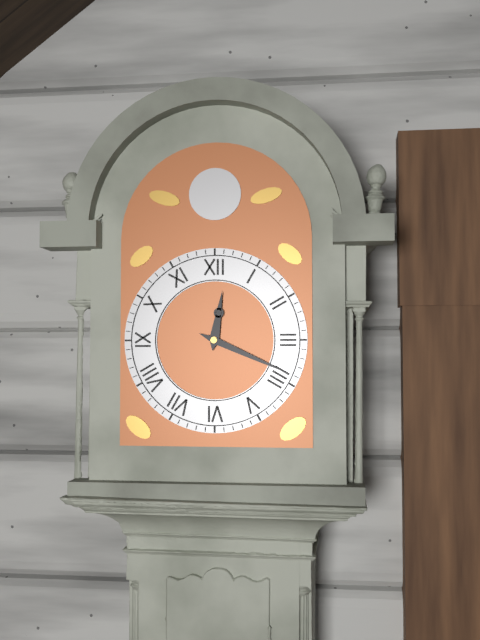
12.19
